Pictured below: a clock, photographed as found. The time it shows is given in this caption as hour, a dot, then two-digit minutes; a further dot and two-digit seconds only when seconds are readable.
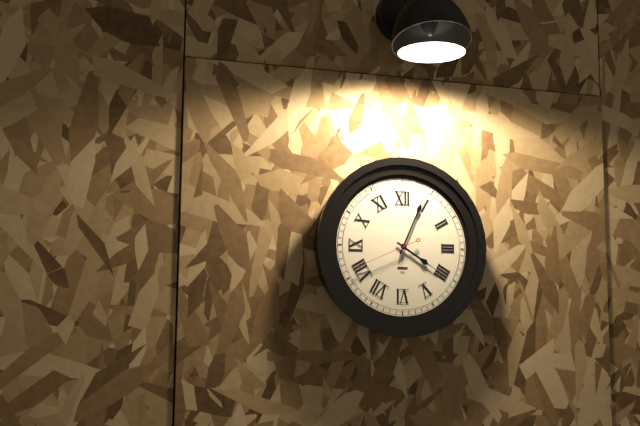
4.04.41
